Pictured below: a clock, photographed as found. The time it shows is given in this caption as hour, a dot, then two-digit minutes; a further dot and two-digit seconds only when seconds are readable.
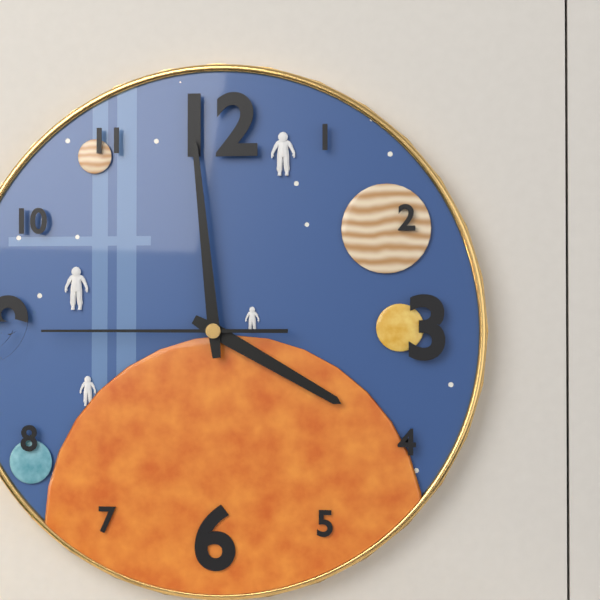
3.59.45
